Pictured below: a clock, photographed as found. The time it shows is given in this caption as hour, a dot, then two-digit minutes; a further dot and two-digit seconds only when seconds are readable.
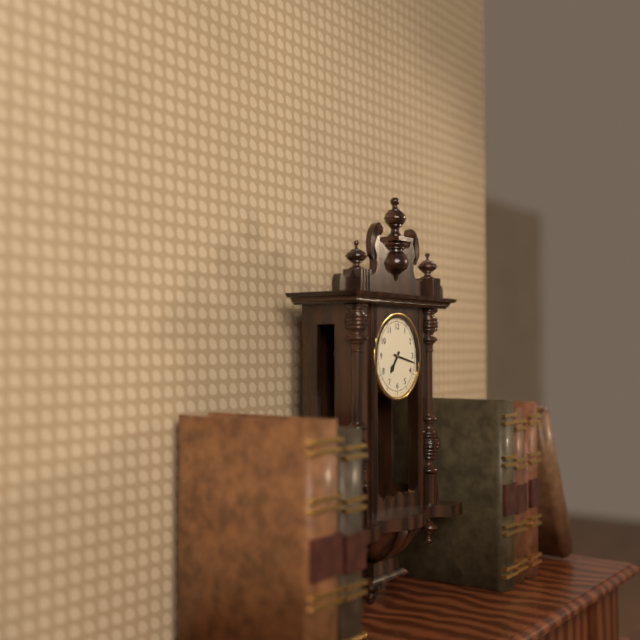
7.17
